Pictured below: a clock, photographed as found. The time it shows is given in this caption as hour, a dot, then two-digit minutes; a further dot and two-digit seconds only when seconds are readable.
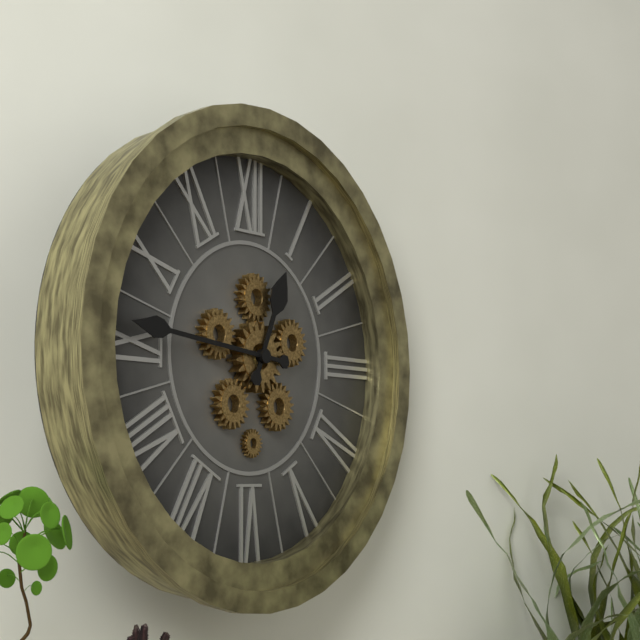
12.46
